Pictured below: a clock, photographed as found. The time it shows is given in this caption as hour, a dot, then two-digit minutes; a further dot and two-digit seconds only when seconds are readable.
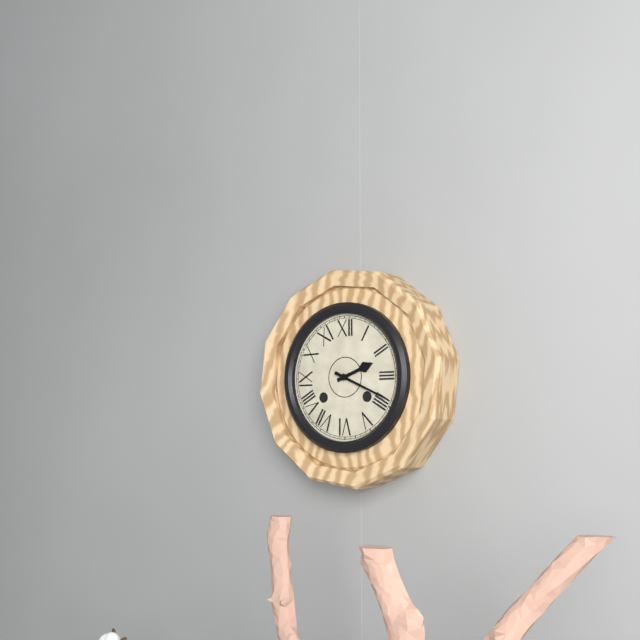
2.19
